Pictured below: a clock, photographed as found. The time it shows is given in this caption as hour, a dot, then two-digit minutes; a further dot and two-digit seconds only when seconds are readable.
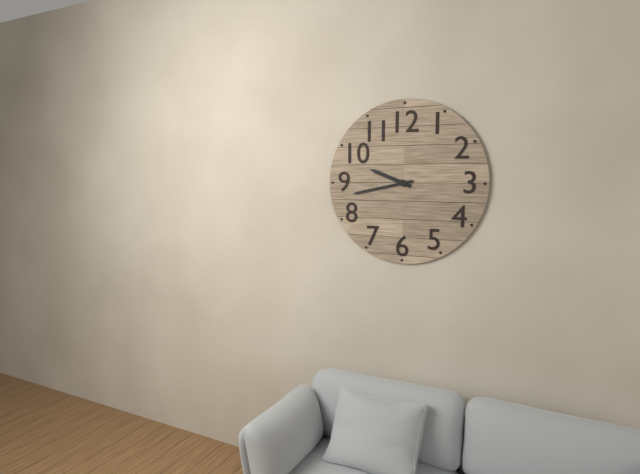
9.43
